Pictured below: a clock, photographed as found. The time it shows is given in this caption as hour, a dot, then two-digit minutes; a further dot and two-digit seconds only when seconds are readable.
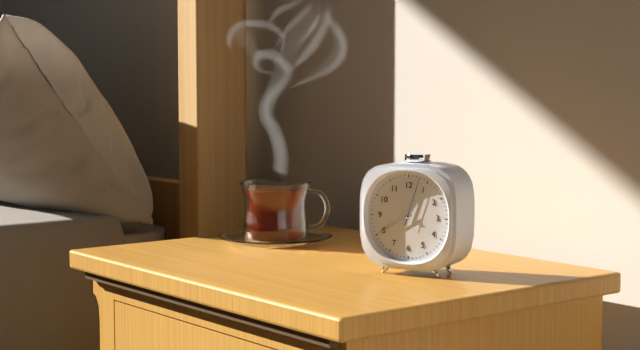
12.40.03
